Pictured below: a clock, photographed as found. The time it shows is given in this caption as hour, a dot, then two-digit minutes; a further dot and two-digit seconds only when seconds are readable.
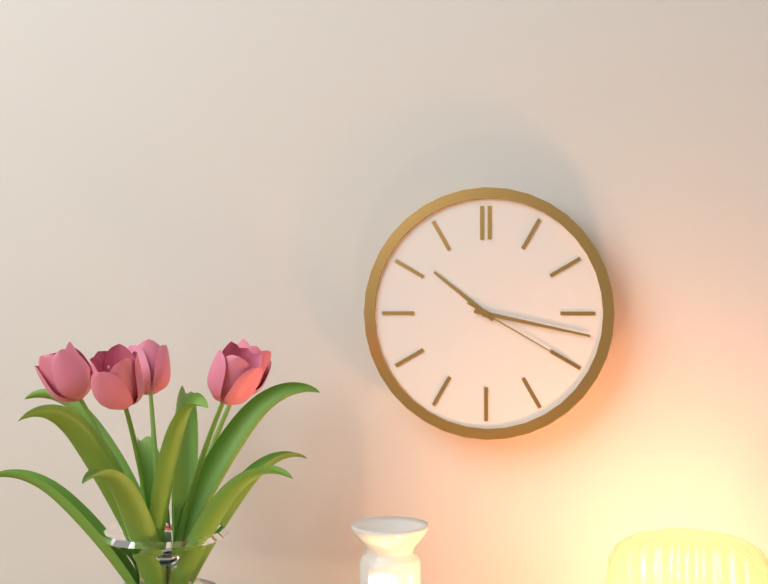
10.17.20
